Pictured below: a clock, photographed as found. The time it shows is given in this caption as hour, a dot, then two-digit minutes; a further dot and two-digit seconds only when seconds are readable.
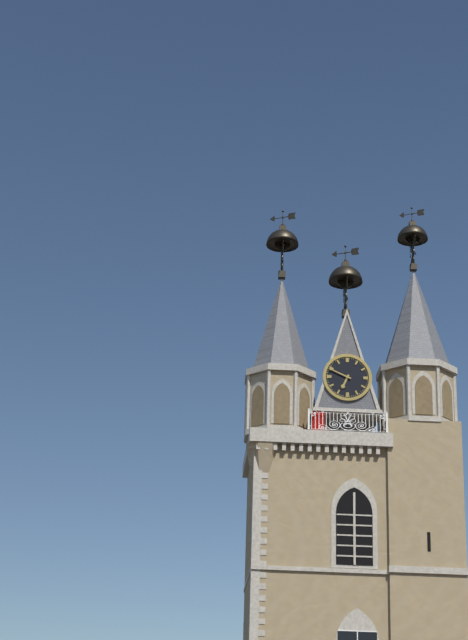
6.49
